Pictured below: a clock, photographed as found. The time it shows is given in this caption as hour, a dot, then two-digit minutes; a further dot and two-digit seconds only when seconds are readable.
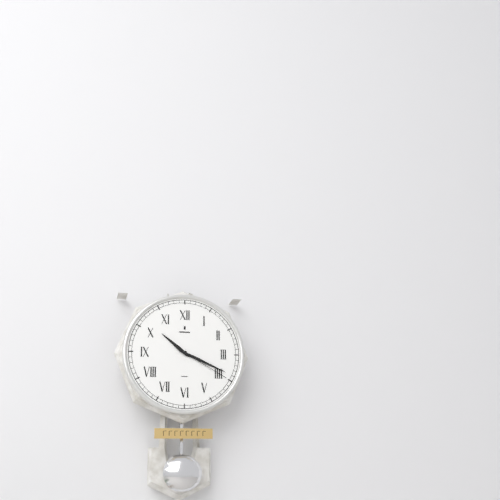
10.19.20
